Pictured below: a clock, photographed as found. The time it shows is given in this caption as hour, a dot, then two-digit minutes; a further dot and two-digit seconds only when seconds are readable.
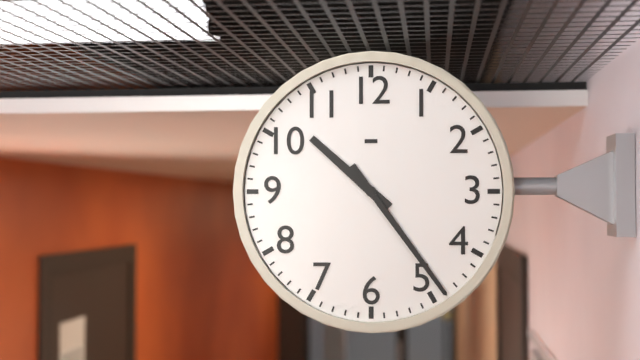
10.24
